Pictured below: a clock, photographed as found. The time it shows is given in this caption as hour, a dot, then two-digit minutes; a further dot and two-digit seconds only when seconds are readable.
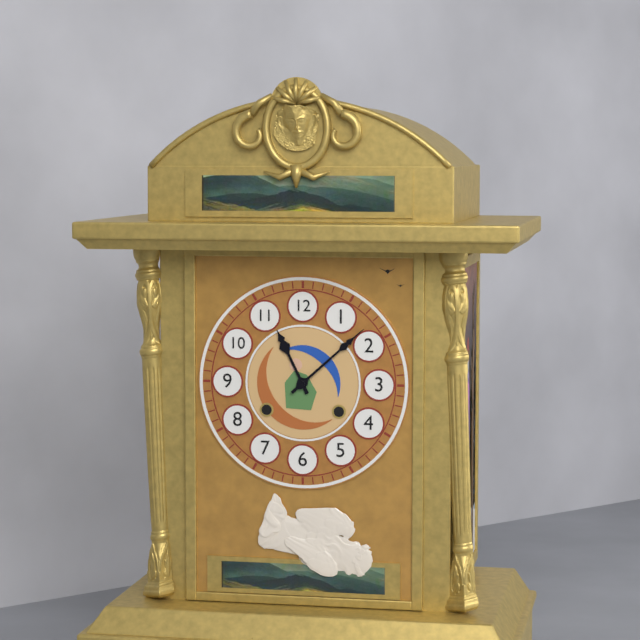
11.08
